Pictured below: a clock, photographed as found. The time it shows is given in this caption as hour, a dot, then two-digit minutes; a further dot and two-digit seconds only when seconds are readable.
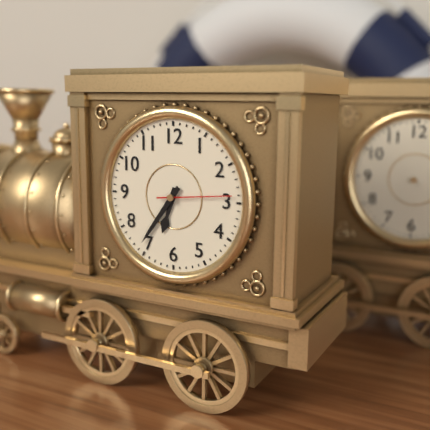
6.36.14
